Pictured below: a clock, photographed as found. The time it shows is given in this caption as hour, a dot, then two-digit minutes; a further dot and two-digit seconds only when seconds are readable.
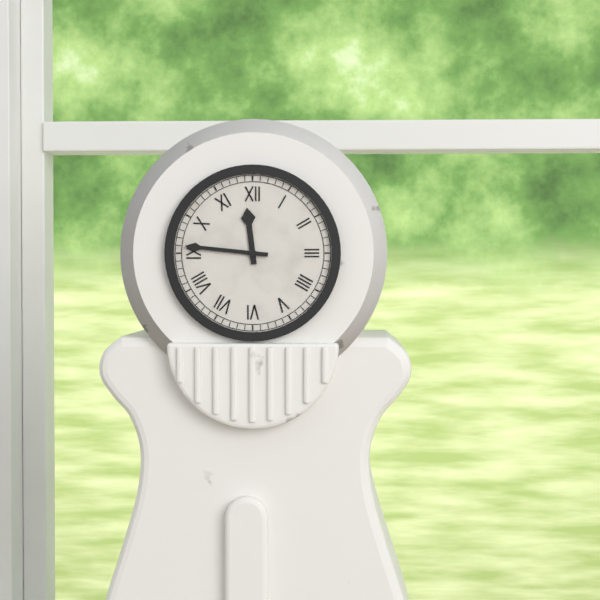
11.46
